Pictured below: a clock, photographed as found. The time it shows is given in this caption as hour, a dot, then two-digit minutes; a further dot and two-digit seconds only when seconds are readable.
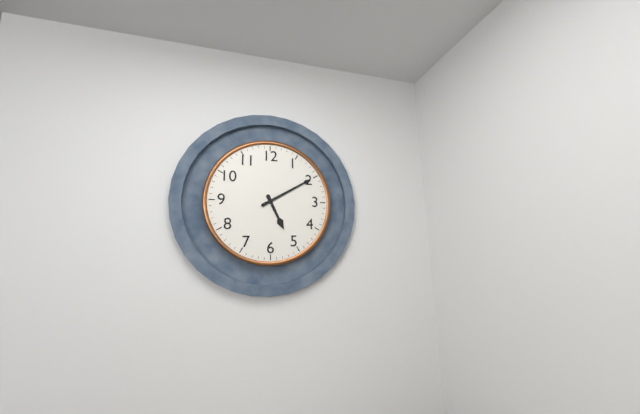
5.10
